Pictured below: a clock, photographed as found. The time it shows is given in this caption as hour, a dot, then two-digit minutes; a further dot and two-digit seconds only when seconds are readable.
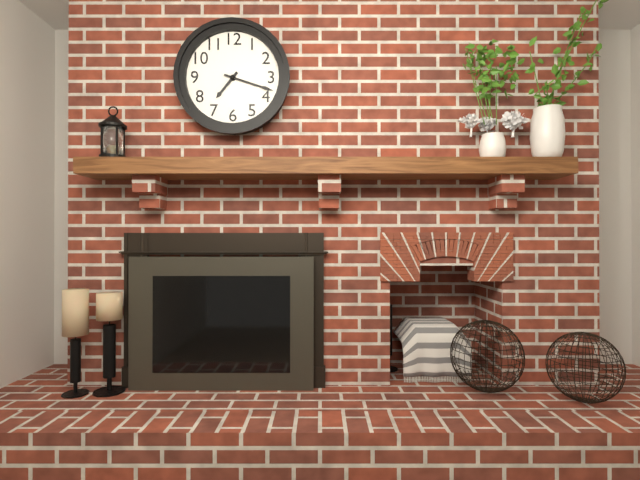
7.18
